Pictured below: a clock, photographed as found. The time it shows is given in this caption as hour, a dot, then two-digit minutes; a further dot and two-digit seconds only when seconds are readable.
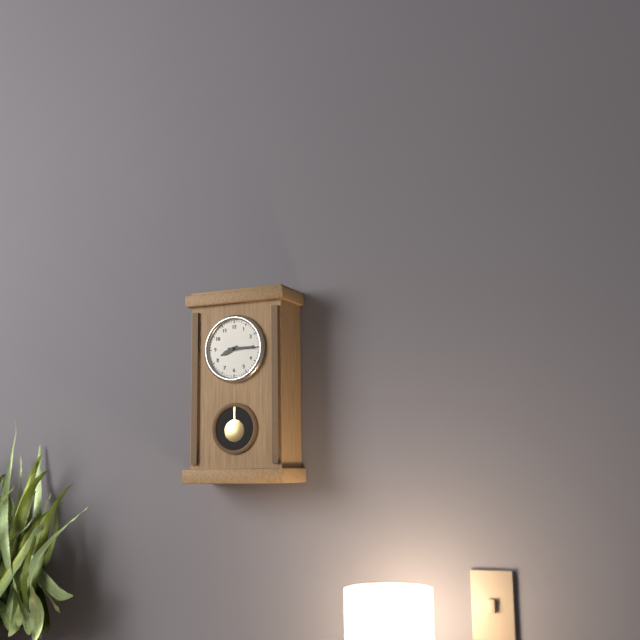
8.15
